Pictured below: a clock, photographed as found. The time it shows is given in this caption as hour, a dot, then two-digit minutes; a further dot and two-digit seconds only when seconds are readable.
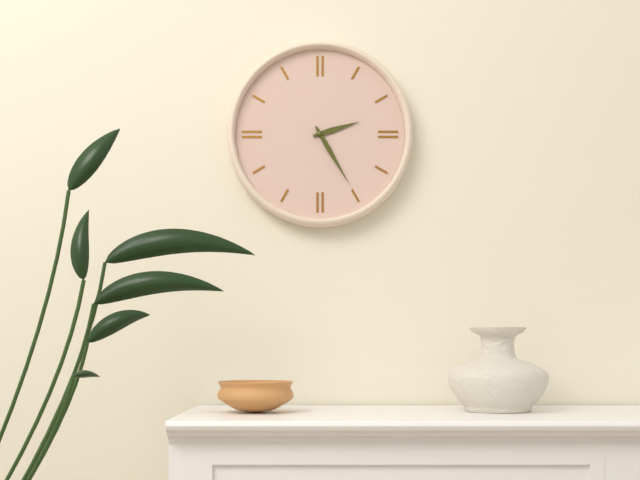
2.25
